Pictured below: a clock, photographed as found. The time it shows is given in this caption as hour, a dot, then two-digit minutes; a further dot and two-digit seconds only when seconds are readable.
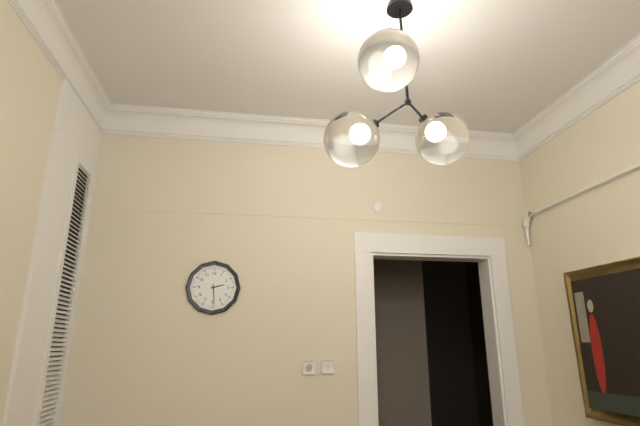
2.29
